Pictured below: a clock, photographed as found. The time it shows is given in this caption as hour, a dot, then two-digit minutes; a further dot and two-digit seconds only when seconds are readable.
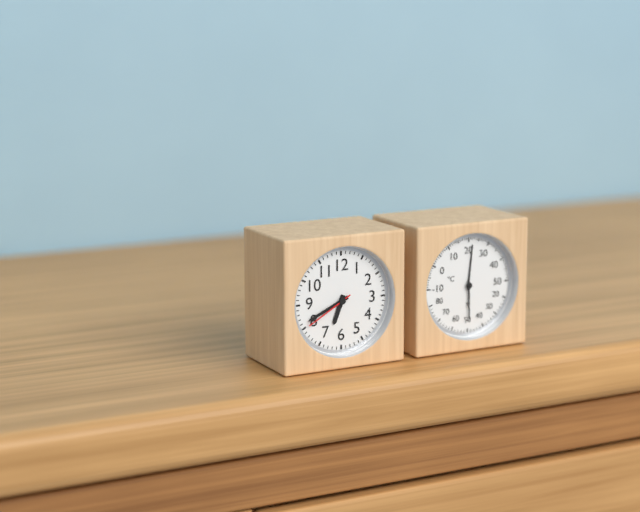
6.41.40
